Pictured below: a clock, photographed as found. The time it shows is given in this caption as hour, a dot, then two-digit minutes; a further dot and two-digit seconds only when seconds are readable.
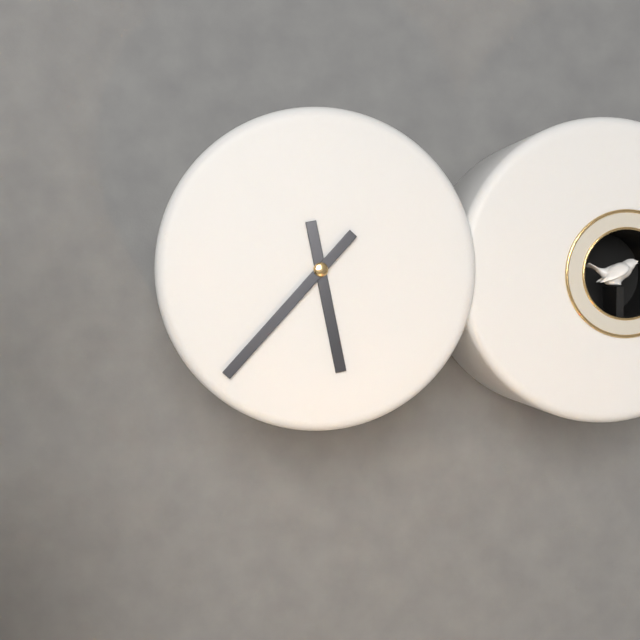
5.37
